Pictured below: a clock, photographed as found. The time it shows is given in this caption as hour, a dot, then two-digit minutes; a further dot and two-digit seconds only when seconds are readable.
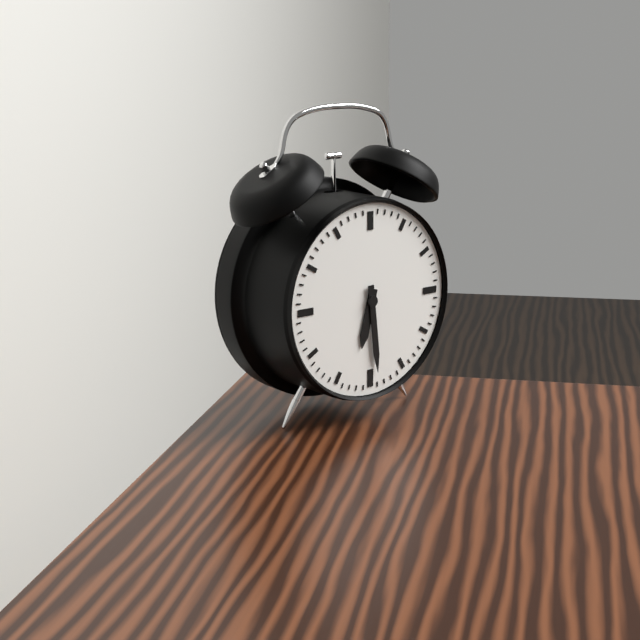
6.29
